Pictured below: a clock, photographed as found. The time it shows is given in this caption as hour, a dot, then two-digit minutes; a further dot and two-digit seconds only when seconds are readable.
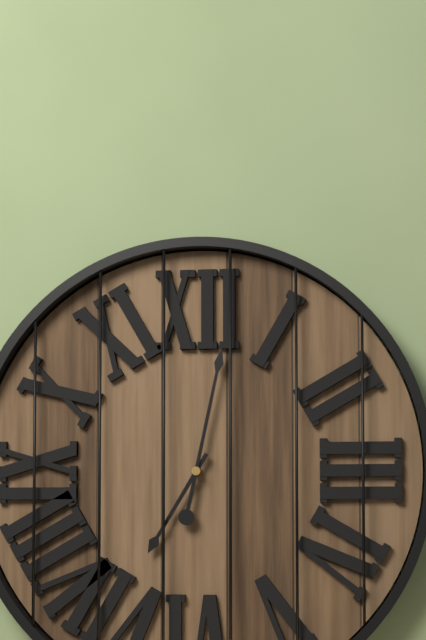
7.02
